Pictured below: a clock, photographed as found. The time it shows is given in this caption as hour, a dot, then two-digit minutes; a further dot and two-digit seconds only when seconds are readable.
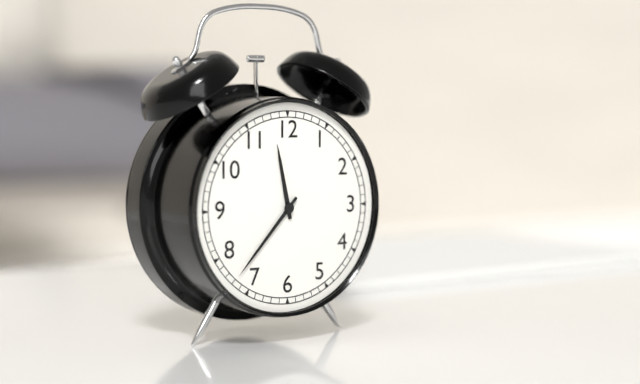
11.37
